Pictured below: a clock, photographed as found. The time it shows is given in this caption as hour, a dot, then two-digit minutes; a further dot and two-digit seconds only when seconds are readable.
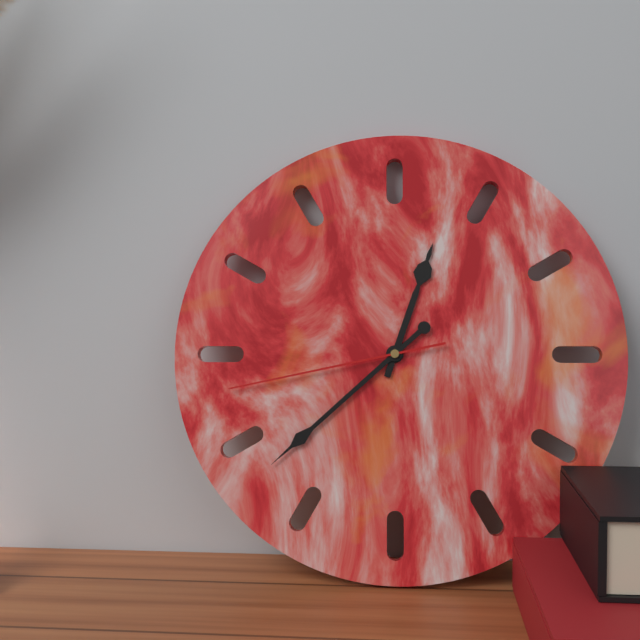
12.38.43
